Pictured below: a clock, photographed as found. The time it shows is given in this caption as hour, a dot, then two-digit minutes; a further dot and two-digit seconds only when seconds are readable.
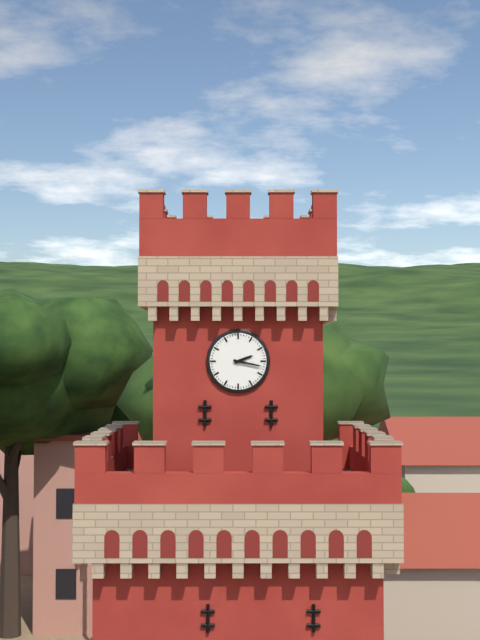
2.17
